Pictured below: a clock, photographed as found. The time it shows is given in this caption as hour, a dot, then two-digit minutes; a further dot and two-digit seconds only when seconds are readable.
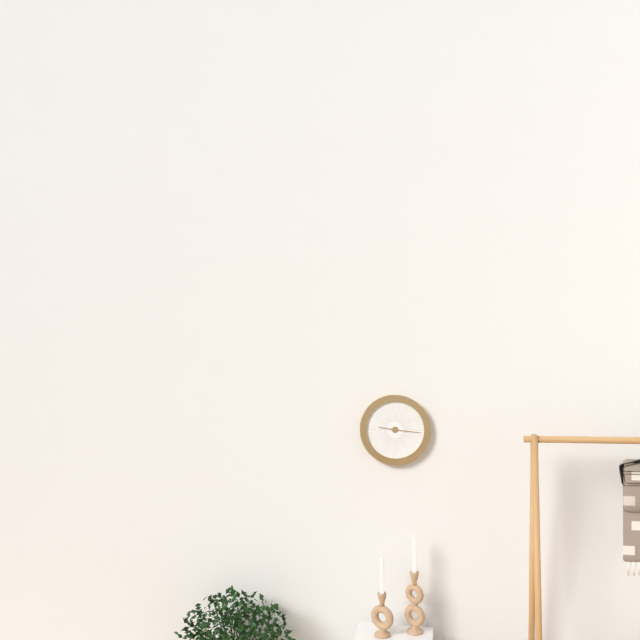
9.16
